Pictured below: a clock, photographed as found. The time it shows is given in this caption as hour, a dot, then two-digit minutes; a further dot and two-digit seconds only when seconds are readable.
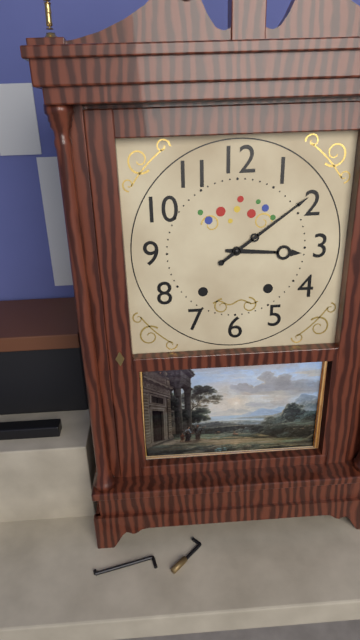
3.09
